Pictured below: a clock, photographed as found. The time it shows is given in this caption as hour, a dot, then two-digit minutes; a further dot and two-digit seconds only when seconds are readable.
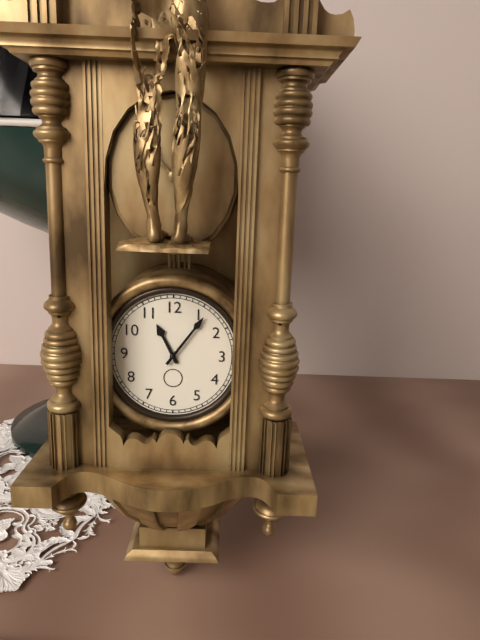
11.06
